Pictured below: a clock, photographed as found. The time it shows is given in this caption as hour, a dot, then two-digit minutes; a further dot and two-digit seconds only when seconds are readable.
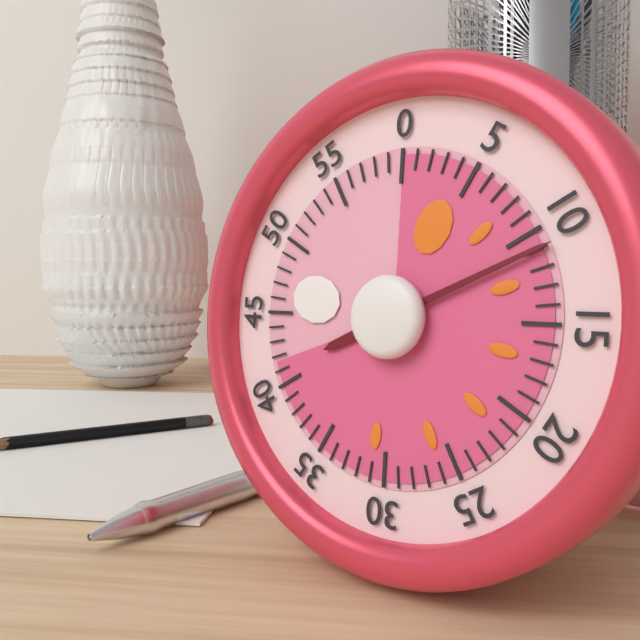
8.11
